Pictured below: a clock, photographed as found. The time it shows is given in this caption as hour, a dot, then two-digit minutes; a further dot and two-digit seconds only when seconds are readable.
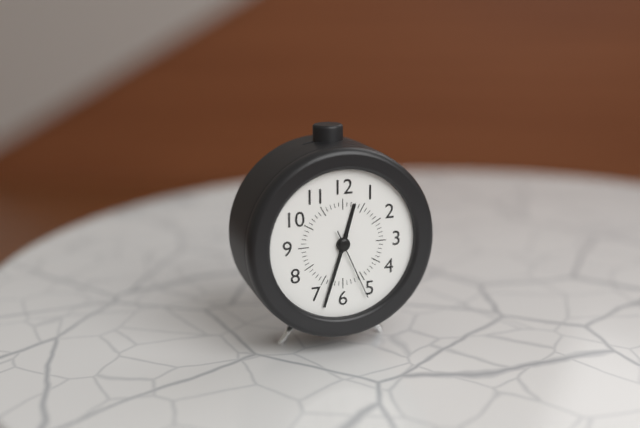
12.33.26
